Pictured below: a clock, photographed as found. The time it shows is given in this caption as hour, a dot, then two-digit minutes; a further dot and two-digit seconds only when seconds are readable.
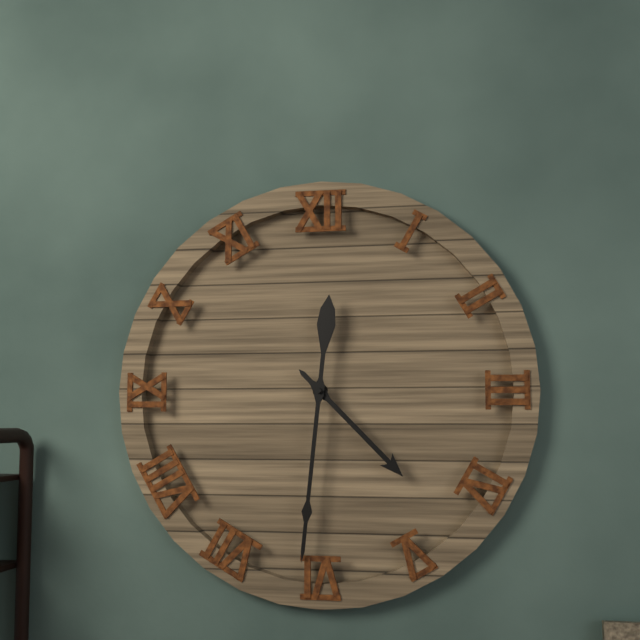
4.31
